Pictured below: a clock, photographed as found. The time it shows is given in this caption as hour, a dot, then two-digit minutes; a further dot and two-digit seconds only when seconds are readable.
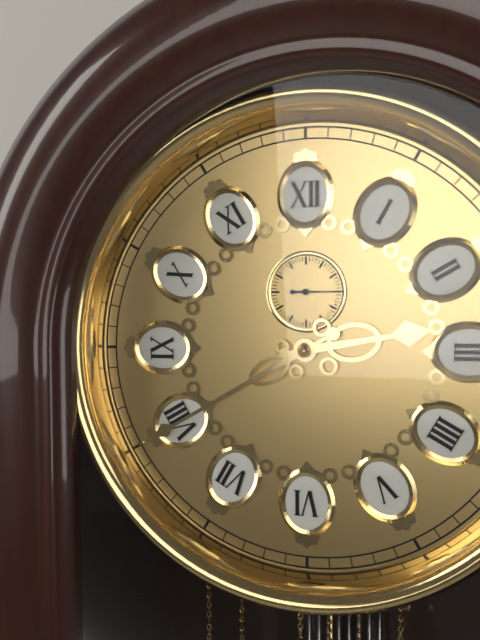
2.40
